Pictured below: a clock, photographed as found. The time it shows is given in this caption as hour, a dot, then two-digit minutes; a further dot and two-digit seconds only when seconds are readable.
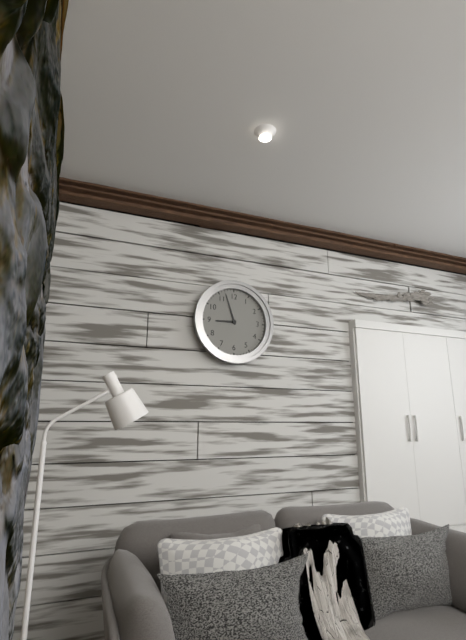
8.57
